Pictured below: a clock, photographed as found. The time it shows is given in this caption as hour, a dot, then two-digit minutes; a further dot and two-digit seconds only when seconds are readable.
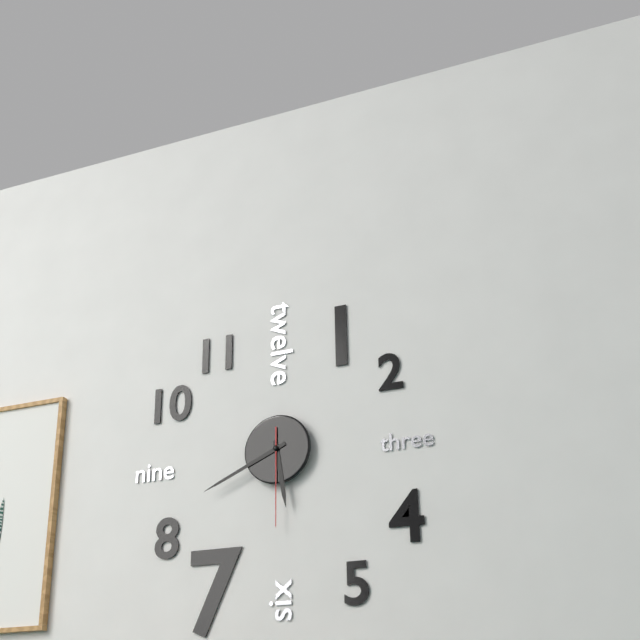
5.41.30
